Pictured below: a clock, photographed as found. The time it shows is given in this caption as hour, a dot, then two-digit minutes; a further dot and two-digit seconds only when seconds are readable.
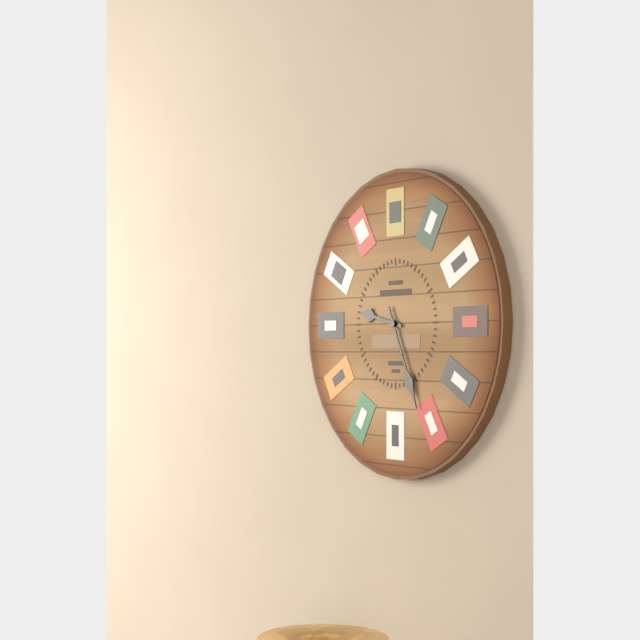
9.26
